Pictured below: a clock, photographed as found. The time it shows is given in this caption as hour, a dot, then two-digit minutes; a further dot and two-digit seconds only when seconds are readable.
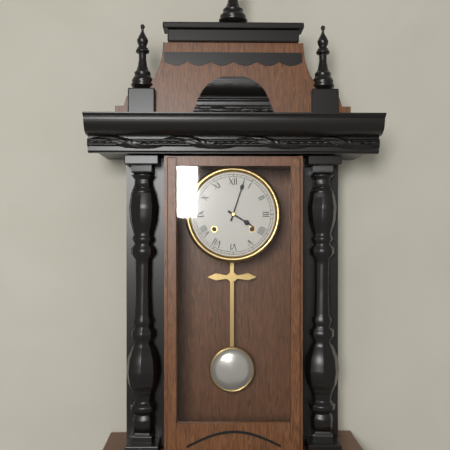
4.03
